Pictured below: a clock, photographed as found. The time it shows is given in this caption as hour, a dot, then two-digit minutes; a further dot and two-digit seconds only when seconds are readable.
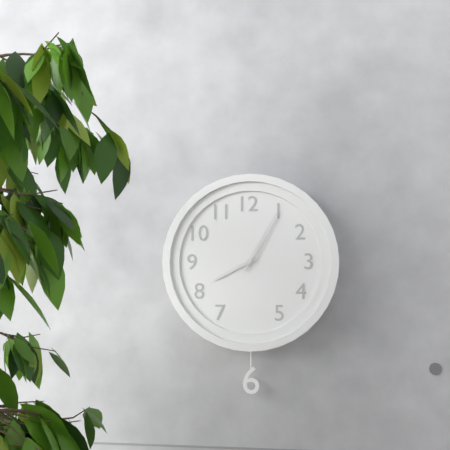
8.05
